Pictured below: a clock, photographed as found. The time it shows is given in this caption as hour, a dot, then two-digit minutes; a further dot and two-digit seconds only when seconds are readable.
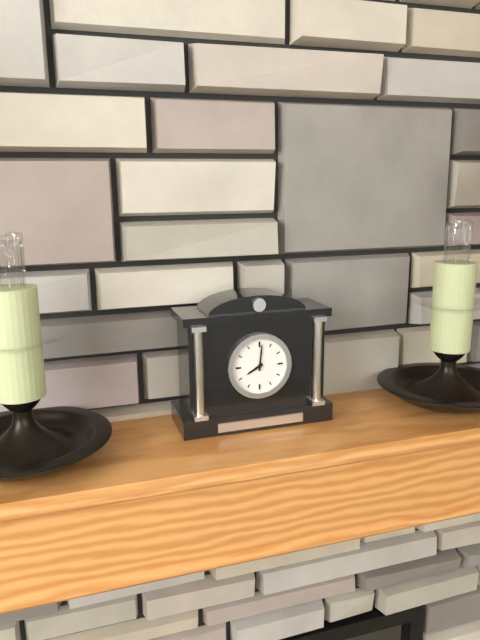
8.01
